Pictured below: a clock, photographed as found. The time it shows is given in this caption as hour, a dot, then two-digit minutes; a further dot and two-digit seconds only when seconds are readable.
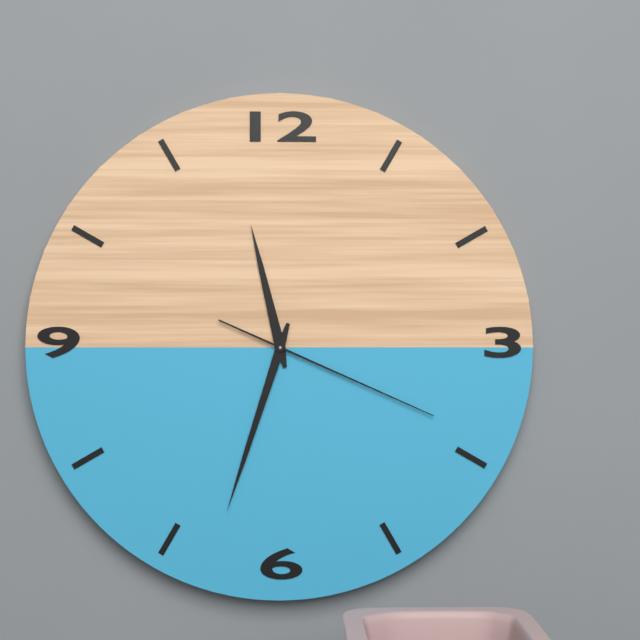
11.33.19
